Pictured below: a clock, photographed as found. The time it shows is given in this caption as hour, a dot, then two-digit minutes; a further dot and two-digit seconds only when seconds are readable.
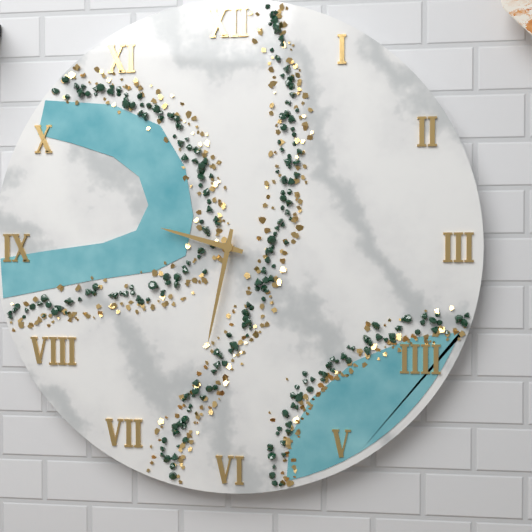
9.32
